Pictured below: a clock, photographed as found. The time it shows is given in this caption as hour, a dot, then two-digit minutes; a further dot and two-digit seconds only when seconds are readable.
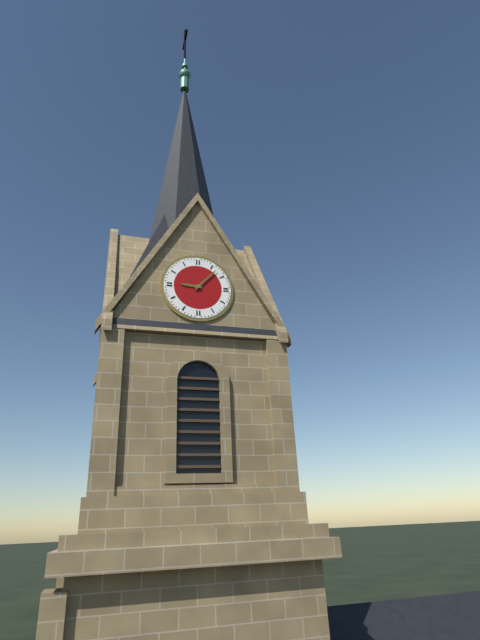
9.07
